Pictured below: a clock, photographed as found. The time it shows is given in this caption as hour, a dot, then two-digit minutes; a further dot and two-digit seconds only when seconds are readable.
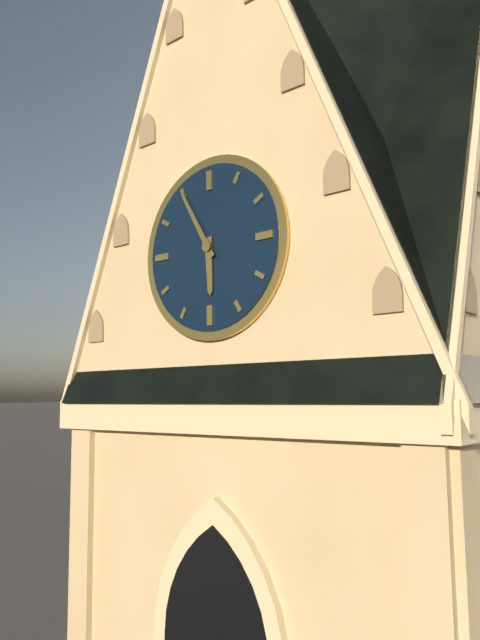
5.55
